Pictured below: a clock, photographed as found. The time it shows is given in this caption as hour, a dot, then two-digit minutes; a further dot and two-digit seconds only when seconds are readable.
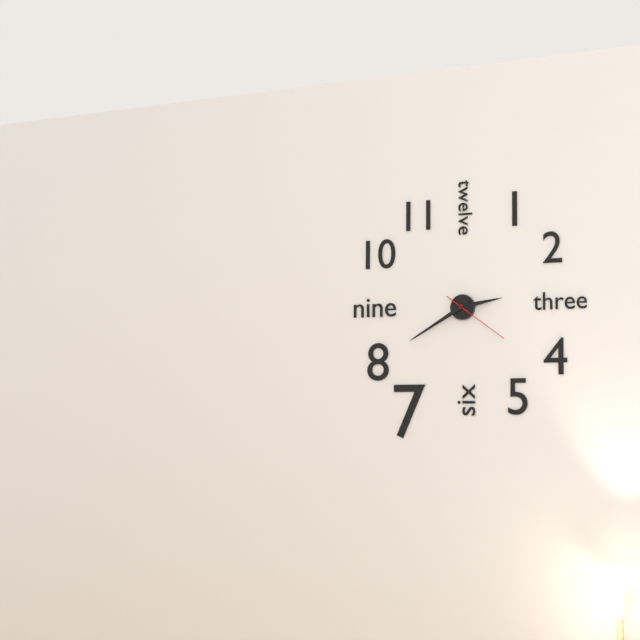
2.40.21
